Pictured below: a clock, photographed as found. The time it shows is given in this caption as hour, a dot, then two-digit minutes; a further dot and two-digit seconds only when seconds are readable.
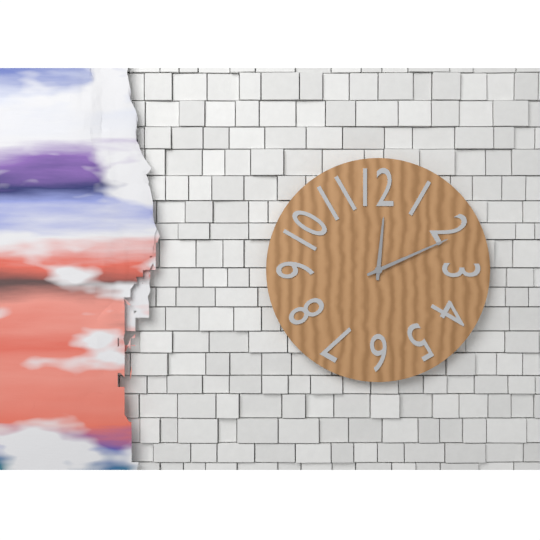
12.11
